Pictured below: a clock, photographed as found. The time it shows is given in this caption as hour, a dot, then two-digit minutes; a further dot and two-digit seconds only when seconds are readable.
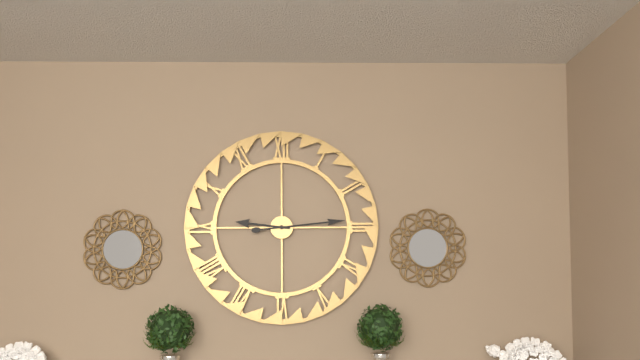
9.14
